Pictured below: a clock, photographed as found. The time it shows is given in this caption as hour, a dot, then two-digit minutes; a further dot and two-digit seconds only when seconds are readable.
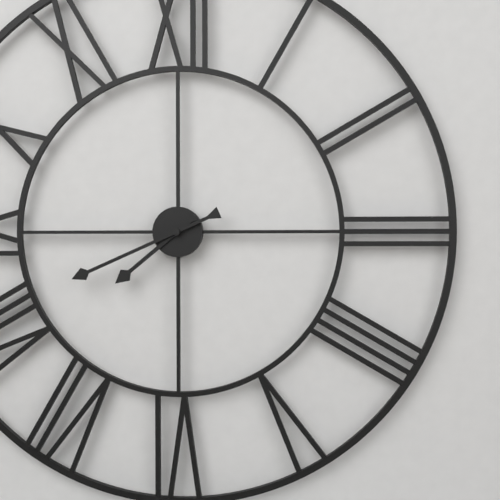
7.41
